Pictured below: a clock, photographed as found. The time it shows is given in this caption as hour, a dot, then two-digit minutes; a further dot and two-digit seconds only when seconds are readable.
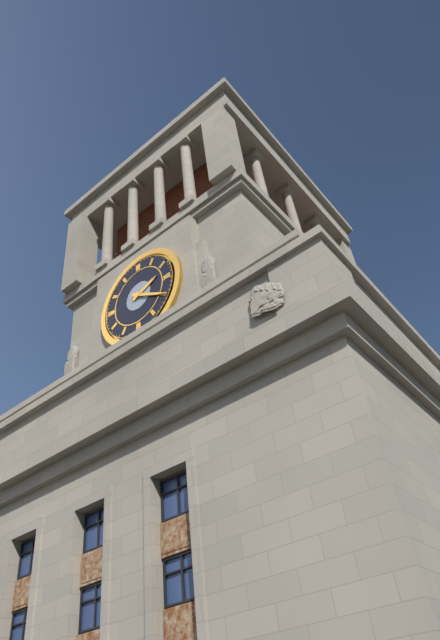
2.20
